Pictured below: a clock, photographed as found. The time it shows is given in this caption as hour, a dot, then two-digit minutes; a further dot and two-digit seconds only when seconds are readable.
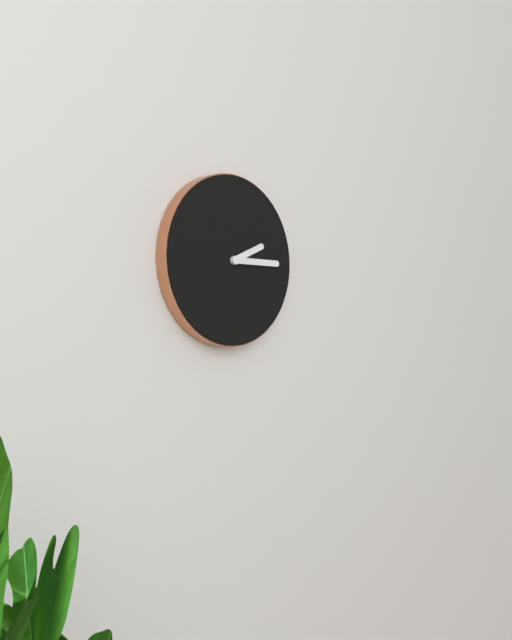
2.15
